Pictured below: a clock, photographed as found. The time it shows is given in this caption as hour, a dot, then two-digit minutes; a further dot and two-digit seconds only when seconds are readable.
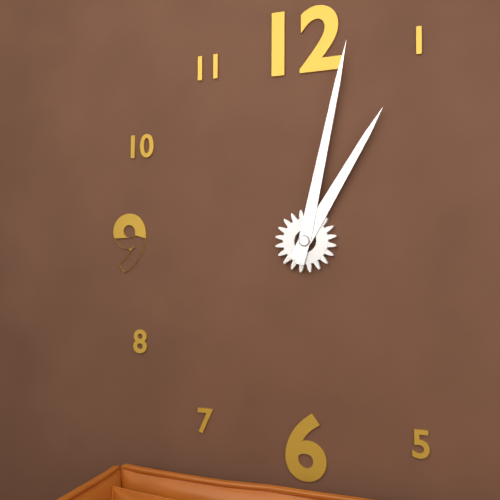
1.02
